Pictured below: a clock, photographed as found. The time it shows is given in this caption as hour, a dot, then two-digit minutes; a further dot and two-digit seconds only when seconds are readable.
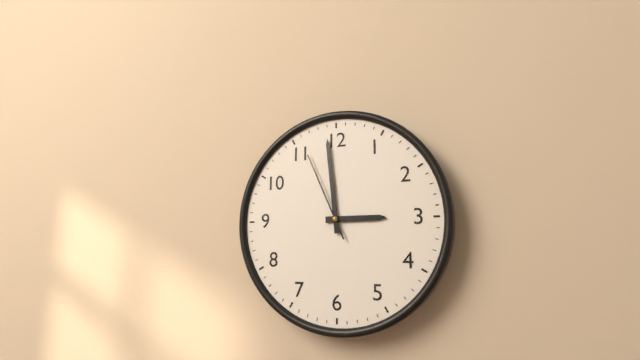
2.59.56
